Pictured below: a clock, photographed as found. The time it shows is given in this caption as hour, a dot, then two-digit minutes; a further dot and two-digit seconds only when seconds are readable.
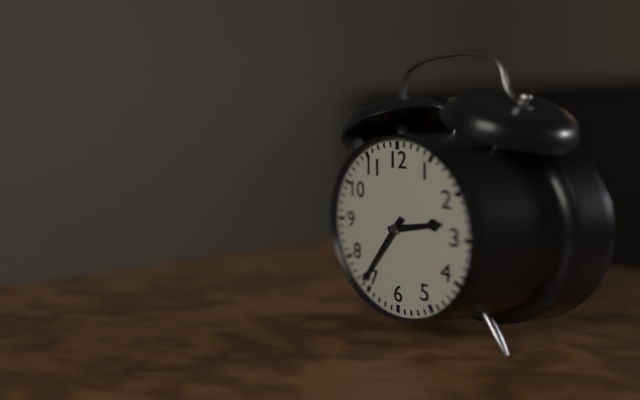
2.36
